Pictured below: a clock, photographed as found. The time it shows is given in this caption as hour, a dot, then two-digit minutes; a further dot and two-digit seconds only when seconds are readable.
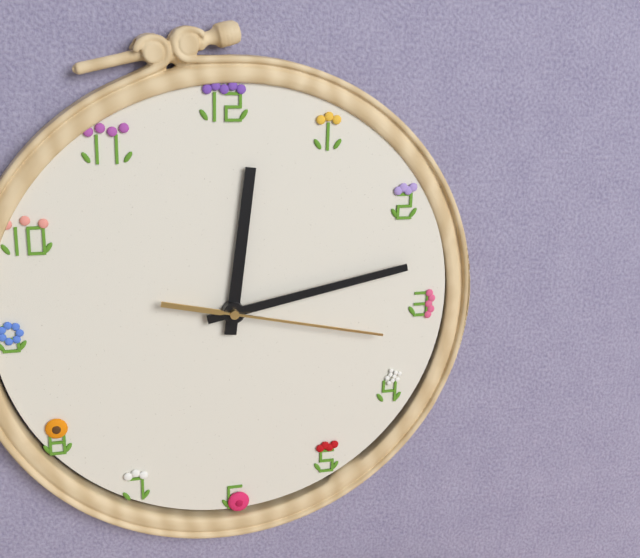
12.13.17
